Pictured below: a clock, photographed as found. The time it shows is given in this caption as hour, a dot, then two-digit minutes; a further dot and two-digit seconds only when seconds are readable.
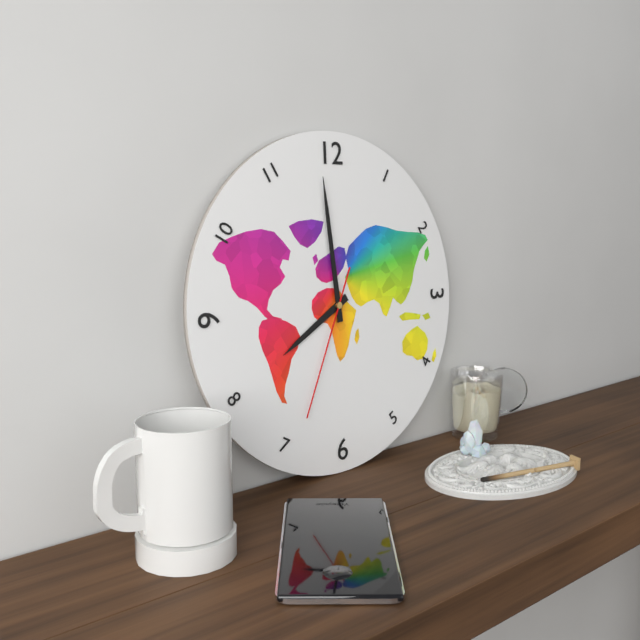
7.59.34
